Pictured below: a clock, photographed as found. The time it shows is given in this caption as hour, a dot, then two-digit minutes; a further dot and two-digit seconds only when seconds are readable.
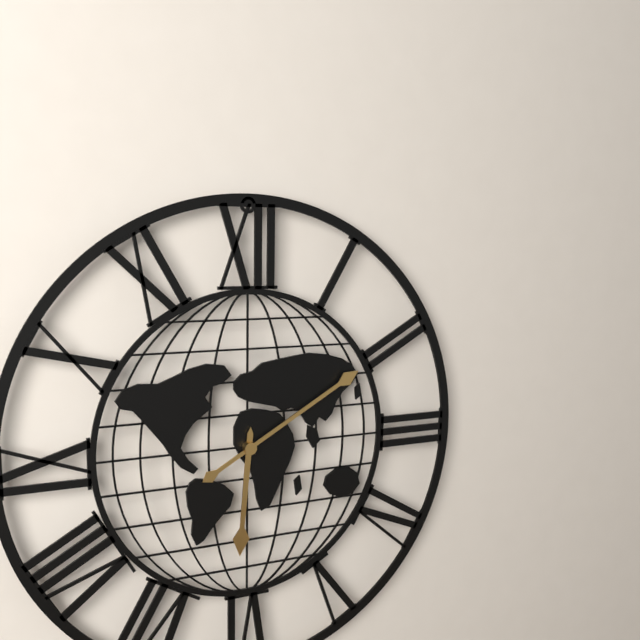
6.10
